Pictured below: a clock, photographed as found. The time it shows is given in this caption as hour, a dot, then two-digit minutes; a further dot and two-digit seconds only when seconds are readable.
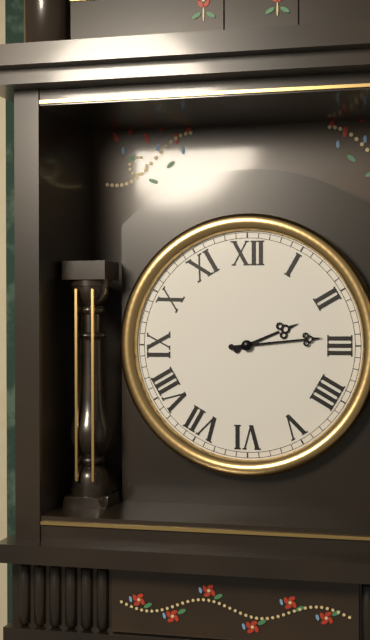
2.14
